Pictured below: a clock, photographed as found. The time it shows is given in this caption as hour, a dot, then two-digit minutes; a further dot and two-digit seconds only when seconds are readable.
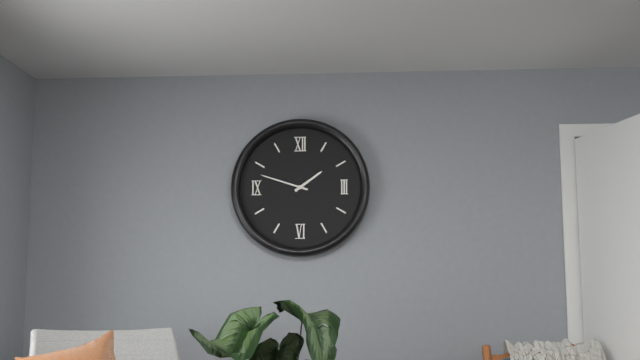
1.48
